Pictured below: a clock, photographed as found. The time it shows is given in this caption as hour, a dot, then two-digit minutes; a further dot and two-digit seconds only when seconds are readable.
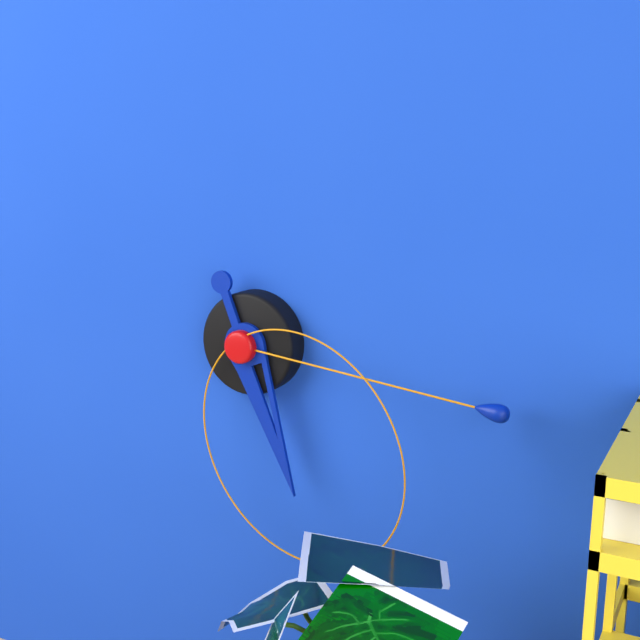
5.16.24
